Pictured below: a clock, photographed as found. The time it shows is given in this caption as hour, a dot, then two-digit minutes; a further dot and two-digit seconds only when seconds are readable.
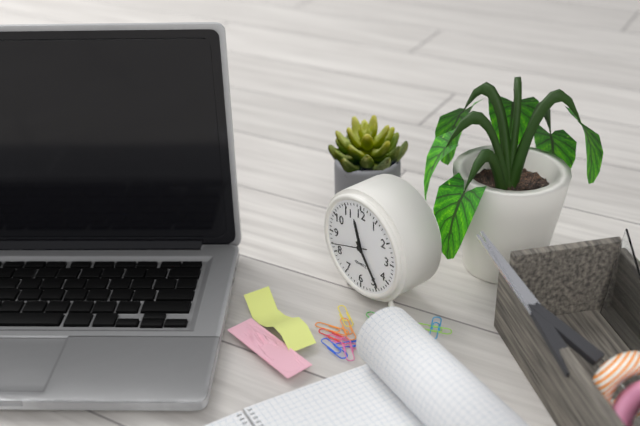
11.24
